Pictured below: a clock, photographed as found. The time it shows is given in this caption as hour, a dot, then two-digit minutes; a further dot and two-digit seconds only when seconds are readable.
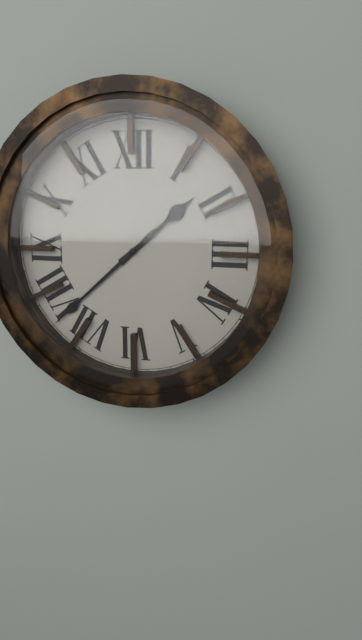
1.38
